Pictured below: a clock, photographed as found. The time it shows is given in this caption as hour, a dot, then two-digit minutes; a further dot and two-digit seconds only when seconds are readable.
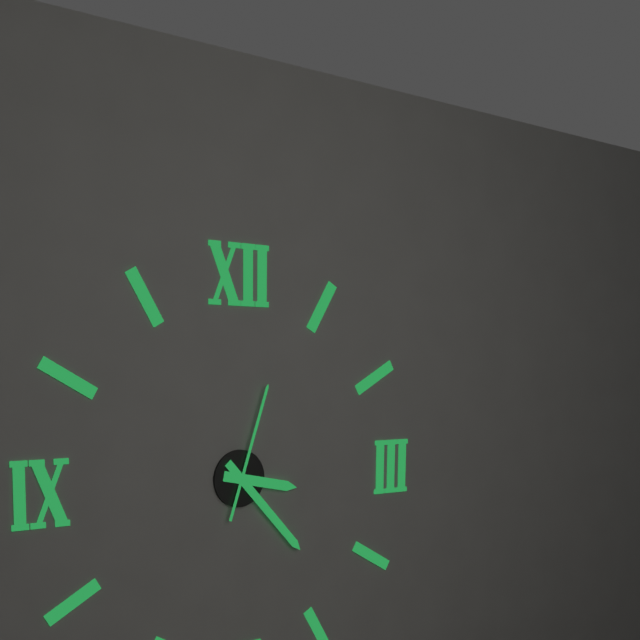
3.23.03
